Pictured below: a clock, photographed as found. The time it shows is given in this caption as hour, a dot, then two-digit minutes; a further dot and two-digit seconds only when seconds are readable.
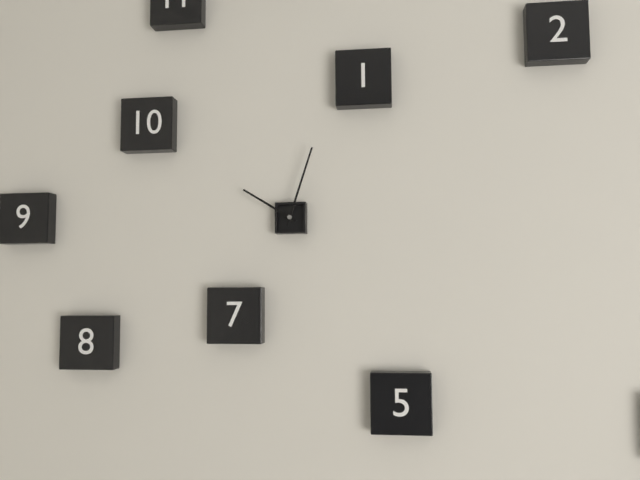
10.03
